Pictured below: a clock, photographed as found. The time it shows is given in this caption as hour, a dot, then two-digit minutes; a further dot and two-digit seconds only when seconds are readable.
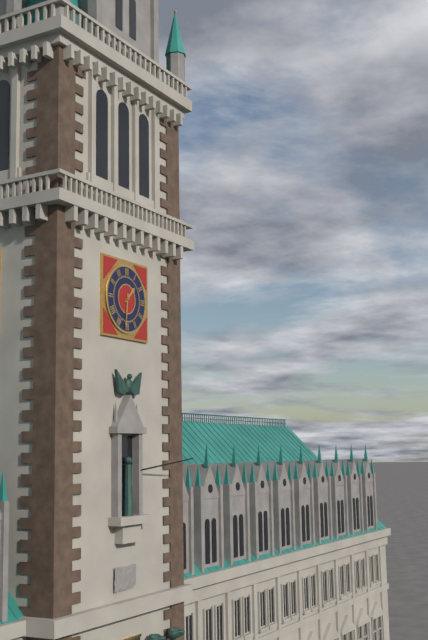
1.31
